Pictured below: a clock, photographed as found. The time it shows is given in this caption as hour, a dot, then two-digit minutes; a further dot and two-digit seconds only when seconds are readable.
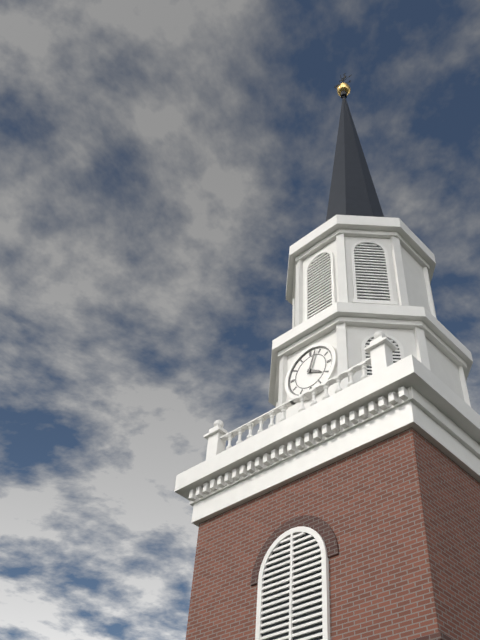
4.03
